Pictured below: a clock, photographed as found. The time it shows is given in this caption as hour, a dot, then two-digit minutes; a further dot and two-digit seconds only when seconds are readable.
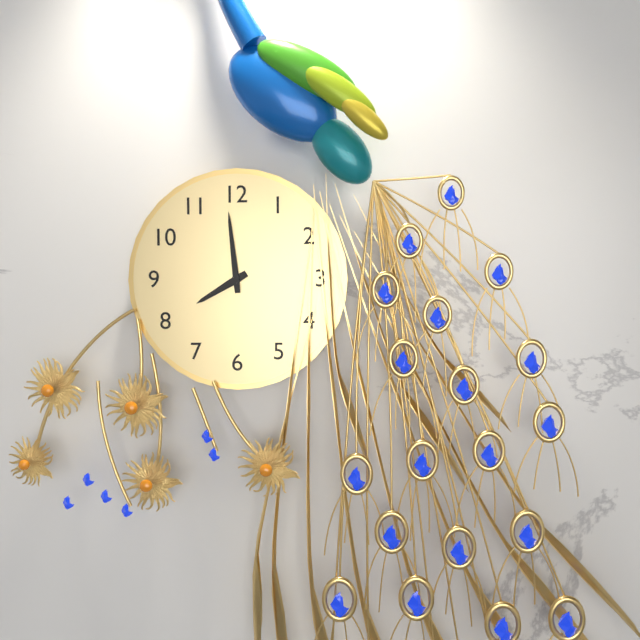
7.59
